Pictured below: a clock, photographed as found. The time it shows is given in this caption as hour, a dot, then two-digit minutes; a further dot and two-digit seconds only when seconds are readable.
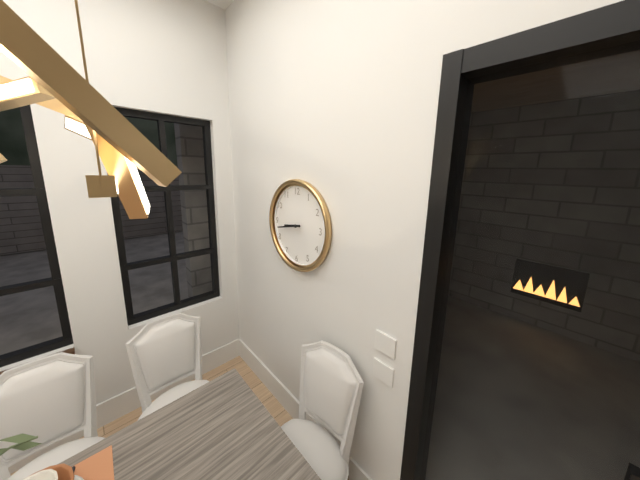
8.43
